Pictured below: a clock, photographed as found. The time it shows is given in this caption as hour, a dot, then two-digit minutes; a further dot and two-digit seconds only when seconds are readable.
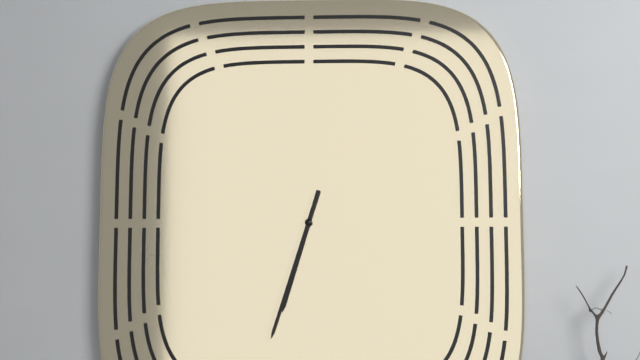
6.33
